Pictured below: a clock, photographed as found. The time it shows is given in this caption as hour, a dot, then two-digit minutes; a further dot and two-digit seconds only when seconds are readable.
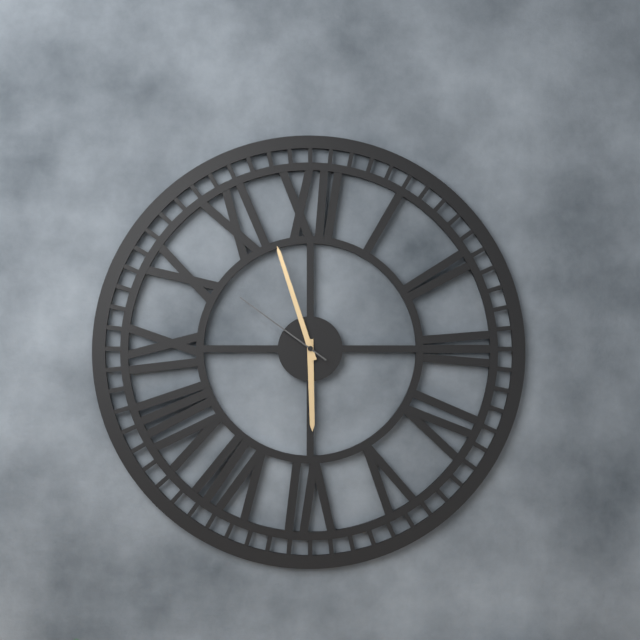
5.57.51
